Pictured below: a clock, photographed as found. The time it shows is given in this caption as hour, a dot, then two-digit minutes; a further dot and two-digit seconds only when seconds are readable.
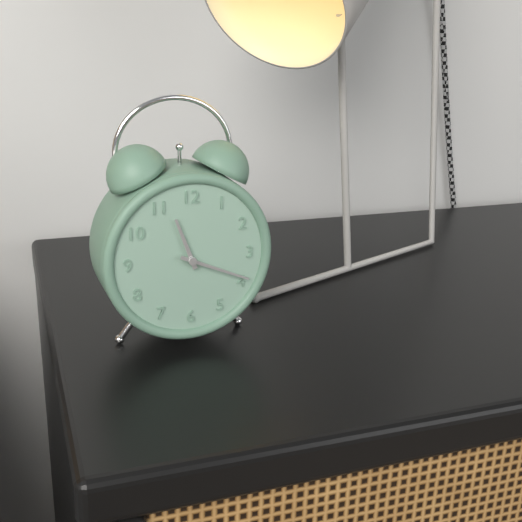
11.19
